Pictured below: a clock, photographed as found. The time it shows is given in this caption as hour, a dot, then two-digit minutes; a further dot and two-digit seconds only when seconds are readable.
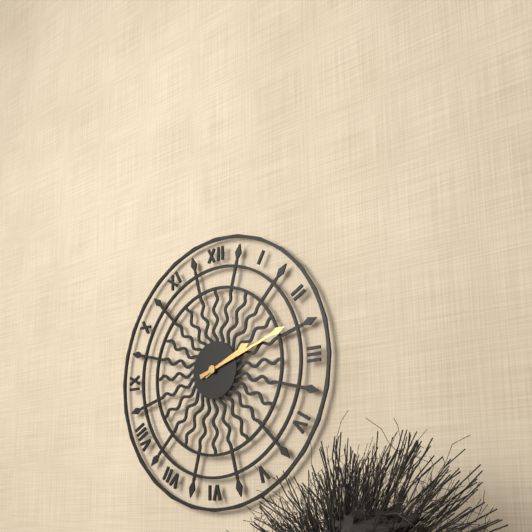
2.12
